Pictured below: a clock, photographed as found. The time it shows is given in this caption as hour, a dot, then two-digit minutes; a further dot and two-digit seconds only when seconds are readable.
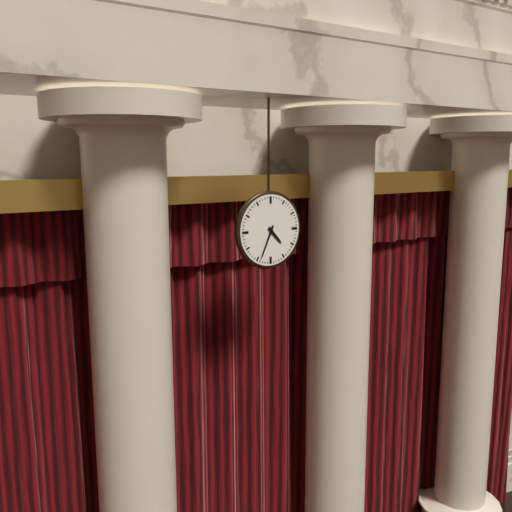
4.34
